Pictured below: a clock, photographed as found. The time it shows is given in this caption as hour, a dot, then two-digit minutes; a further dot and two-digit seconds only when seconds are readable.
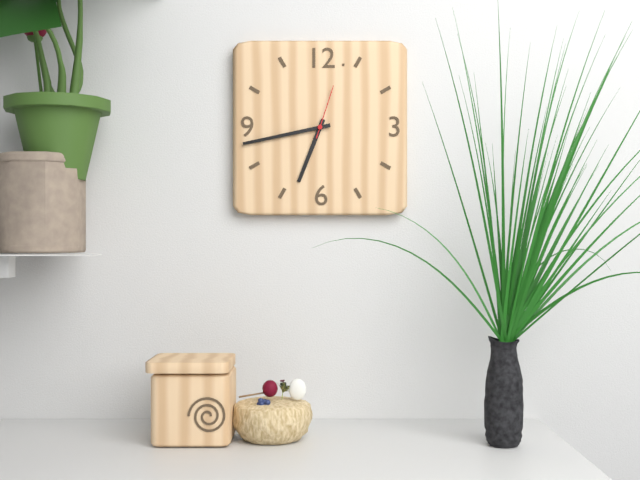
6.43.03
